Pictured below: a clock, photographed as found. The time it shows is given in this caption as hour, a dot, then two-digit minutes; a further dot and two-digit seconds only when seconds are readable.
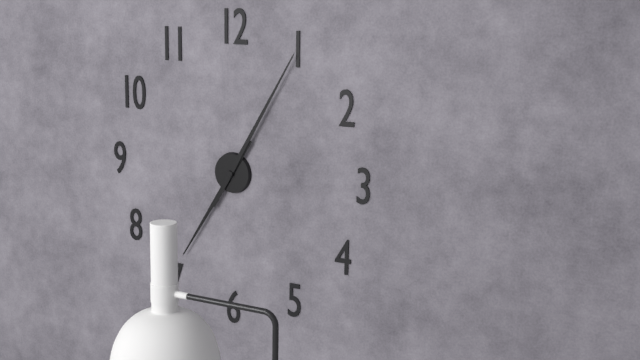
7.05
